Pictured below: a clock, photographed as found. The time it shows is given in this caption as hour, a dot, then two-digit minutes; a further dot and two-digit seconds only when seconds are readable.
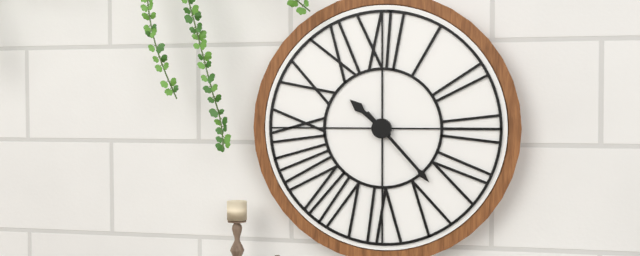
10.23
